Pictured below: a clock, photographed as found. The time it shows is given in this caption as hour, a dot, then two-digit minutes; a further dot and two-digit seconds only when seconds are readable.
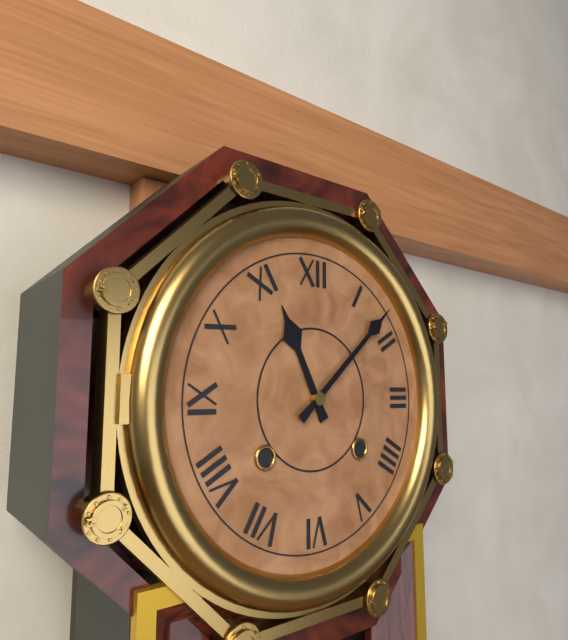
11.08
